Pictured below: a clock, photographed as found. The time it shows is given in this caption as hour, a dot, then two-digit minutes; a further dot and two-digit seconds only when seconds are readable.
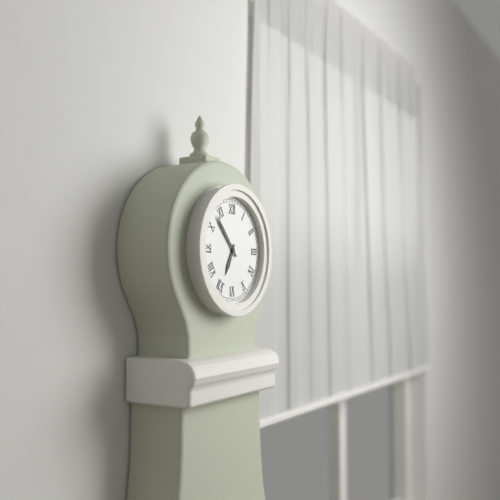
6.53
